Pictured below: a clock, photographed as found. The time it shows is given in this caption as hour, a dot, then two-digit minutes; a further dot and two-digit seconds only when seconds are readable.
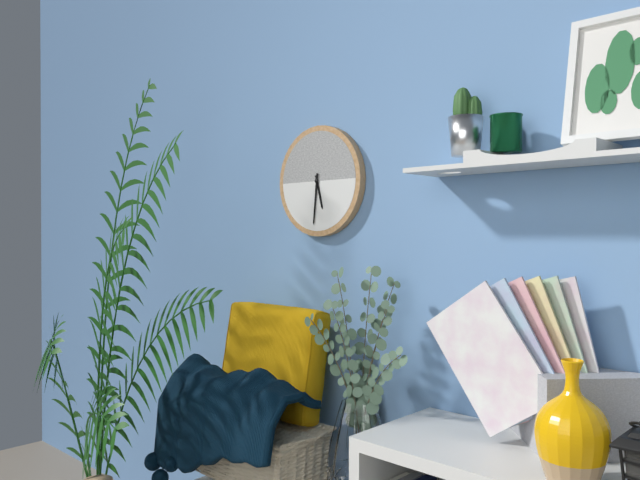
5.31
